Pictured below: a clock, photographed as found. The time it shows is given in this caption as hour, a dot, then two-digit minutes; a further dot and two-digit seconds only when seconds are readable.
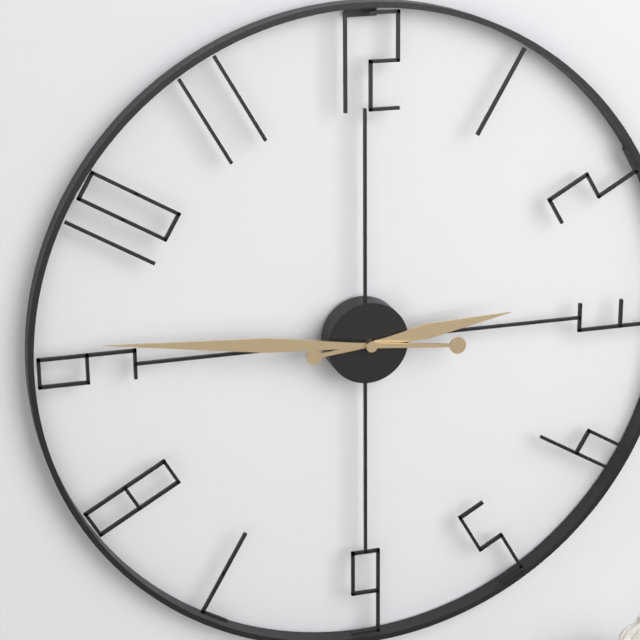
2.46
